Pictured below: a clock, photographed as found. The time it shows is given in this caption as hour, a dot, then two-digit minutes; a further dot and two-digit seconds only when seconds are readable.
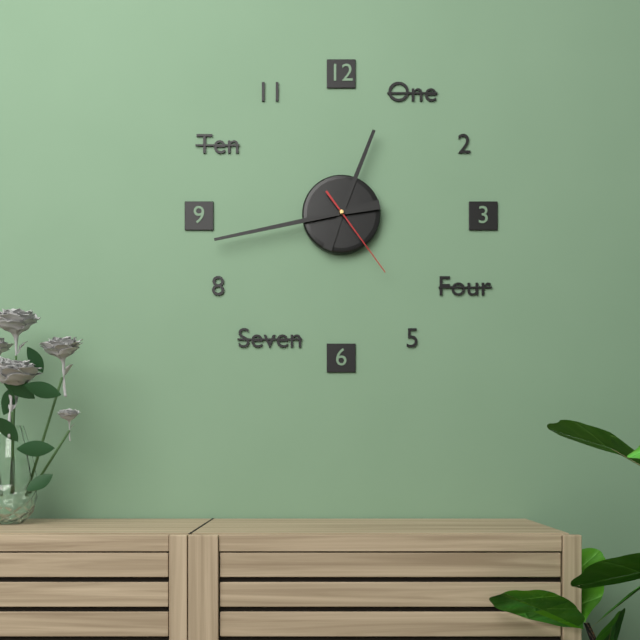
12.43.24
